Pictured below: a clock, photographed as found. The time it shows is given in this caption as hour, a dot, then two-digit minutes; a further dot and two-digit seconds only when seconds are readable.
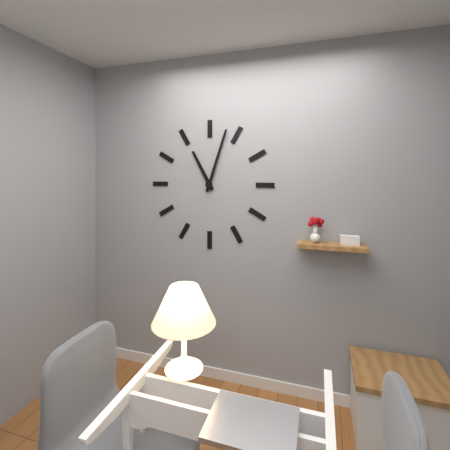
11.03
